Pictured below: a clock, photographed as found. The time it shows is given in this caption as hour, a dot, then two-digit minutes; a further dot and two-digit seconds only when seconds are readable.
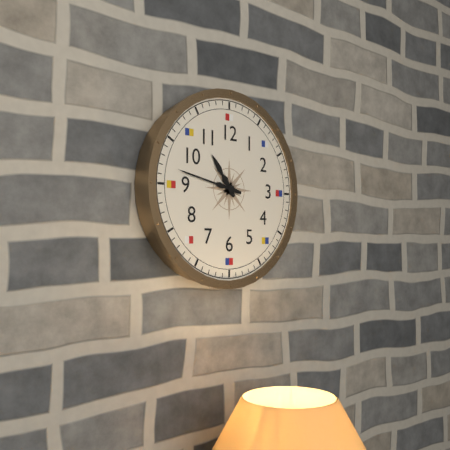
10.47
